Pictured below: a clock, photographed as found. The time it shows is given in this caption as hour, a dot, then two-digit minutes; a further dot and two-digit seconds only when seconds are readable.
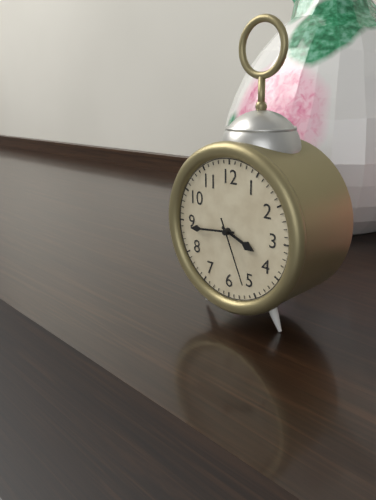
3.44.26
